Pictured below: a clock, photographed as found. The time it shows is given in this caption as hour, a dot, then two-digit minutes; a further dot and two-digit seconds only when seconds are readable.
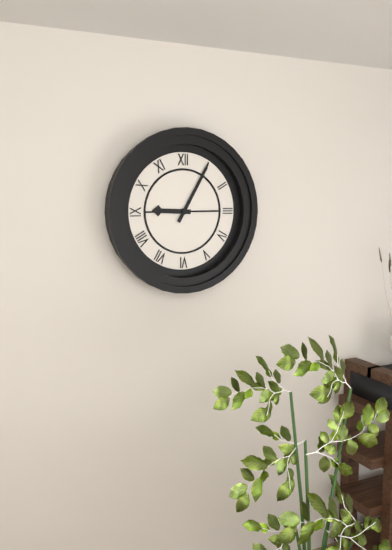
9.05
